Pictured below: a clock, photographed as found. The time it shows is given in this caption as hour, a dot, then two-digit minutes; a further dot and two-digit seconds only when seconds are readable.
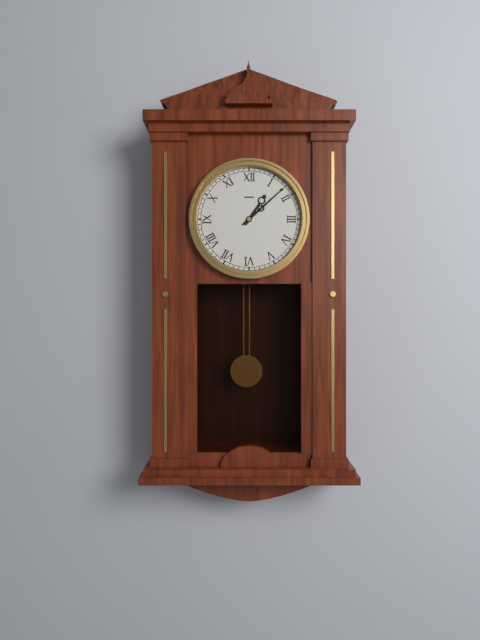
1.08
